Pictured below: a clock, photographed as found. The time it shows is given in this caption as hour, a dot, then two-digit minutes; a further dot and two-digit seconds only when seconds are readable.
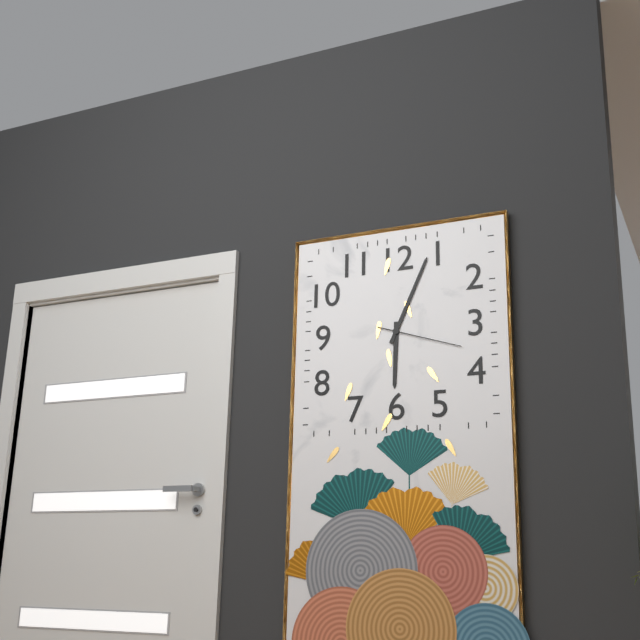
6.04.18
